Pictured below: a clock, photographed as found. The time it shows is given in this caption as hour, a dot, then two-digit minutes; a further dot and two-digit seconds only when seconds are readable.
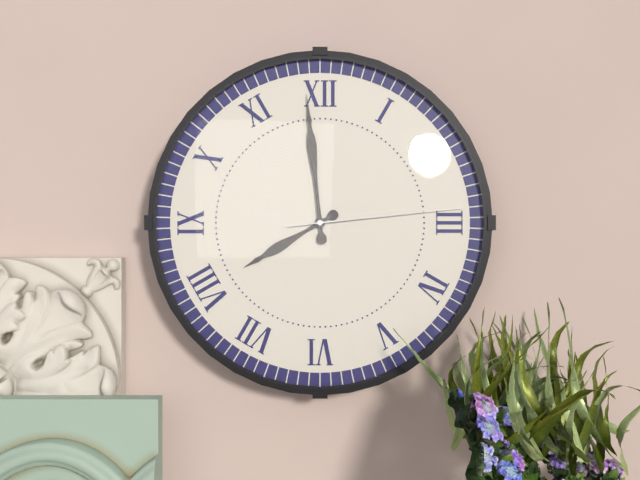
7.59.14
